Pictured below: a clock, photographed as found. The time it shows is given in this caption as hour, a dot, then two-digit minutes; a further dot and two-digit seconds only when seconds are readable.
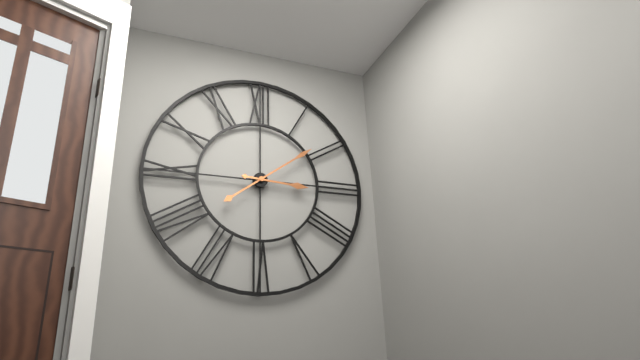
3.09
